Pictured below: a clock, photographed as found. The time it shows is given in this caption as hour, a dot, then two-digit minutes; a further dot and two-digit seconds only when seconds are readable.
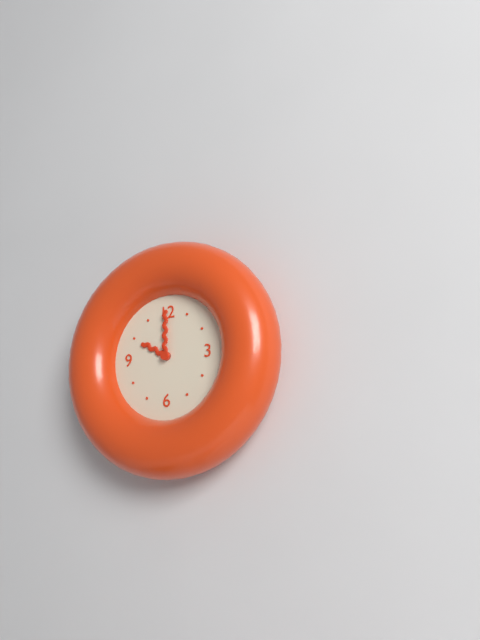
10.00
